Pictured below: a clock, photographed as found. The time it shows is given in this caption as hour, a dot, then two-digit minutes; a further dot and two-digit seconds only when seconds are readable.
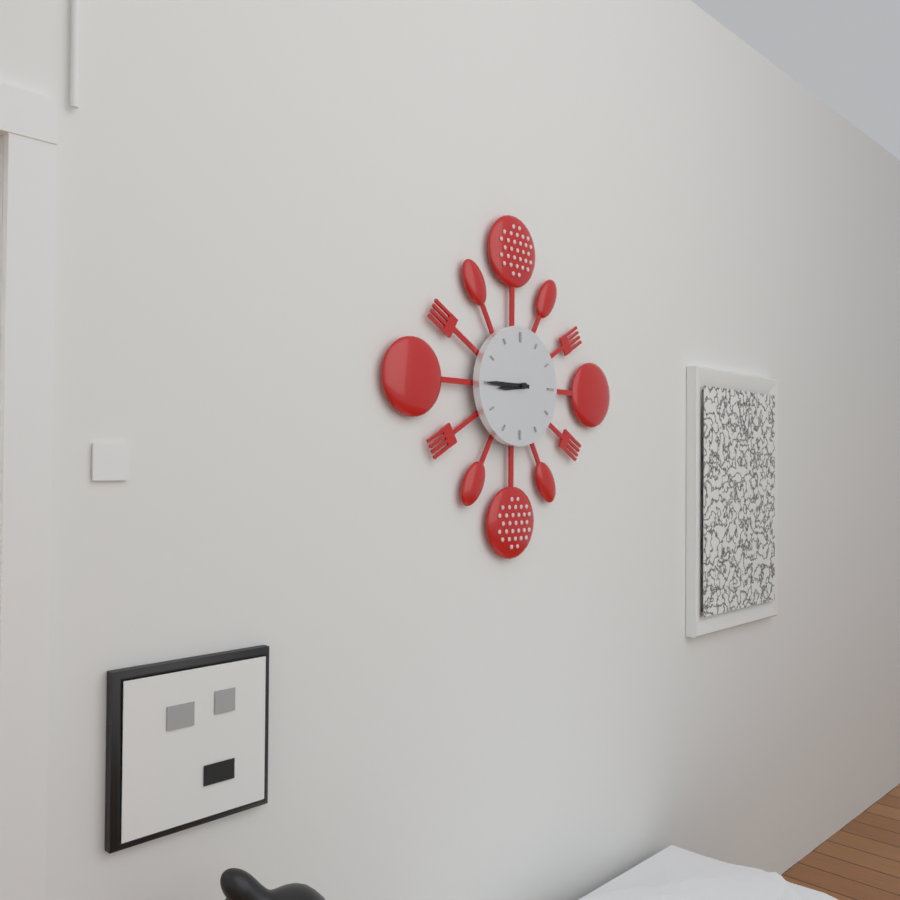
8.45
